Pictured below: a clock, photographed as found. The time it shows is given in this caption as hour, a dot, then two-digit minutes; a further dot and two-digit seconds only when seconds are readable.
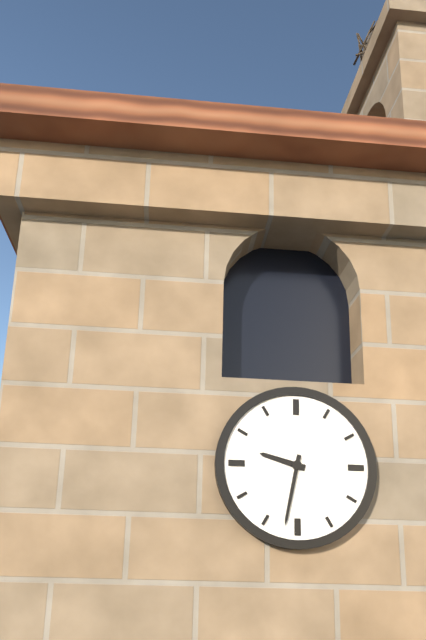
9.32
